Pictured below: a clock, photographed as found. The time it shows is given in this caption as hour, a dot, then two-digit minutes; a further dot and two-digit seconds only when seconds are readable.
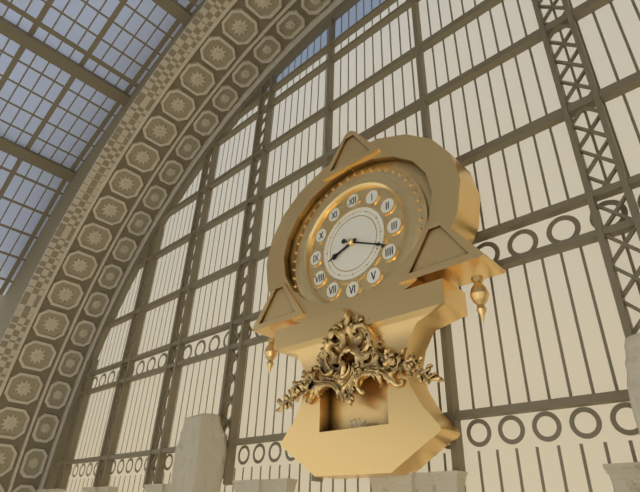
8.19
